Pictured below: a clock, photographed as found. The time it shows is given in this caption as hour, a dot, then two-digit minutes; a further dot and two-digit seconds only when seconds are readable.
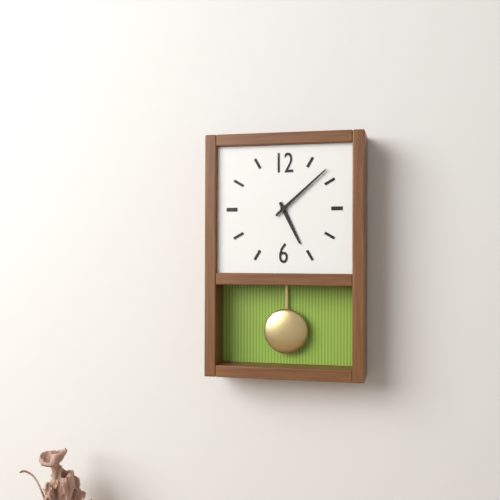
5.08
